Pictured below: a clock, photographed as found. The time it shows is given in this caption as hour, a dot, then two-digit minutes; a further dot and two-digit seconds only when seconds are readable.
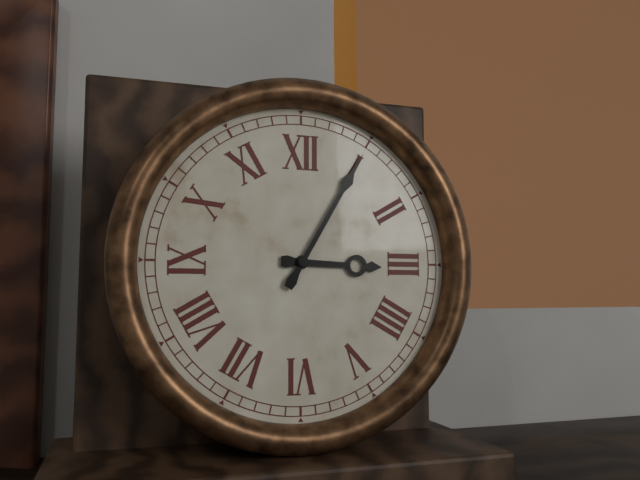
3.05
